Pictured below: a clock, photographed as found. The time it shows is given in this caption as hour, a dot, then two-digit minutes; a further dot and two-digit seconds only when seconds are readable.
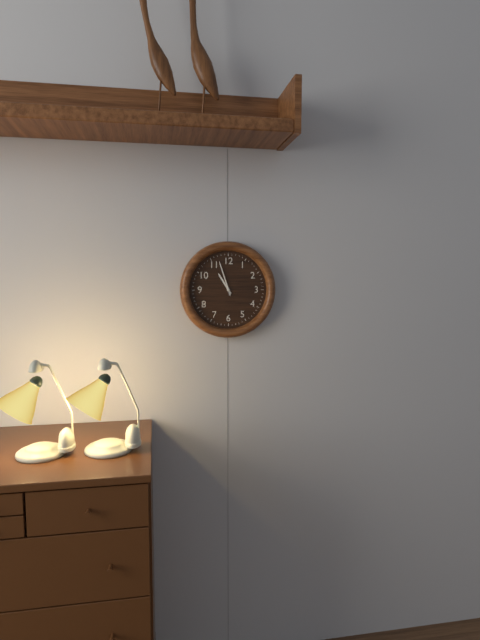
10.57
